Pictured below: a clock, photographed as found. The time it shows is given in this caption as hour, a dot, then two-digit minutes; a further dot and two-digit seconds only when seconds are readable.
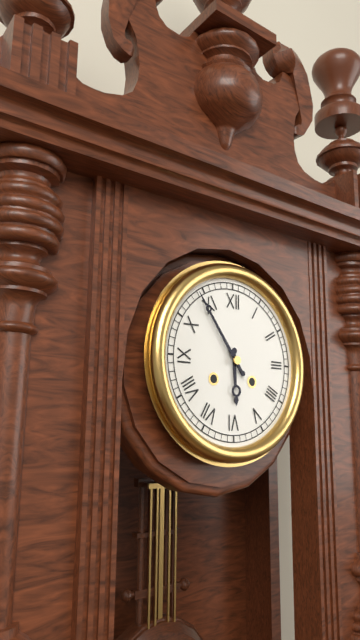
5.54
